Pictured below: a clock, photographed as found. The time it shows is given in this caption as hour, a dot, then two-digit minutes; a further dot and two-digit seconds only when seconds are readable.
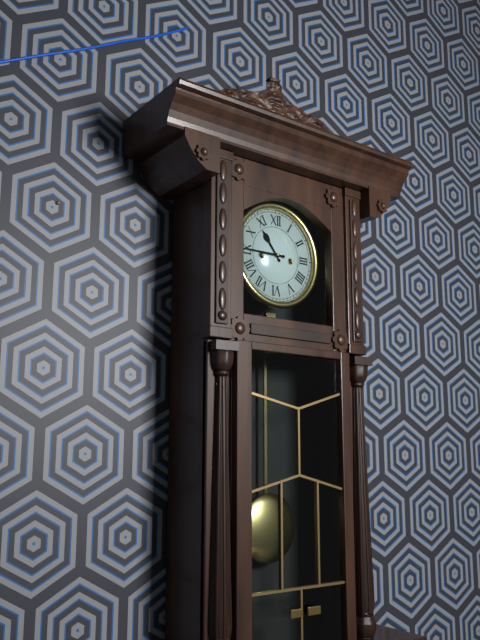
10.45
